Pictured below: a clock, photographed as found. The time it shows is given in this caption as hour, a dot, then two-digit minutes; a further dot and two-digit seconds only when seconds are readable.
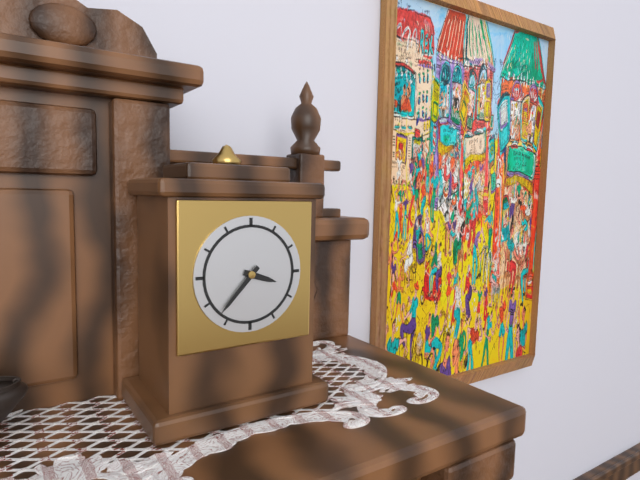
3.37
